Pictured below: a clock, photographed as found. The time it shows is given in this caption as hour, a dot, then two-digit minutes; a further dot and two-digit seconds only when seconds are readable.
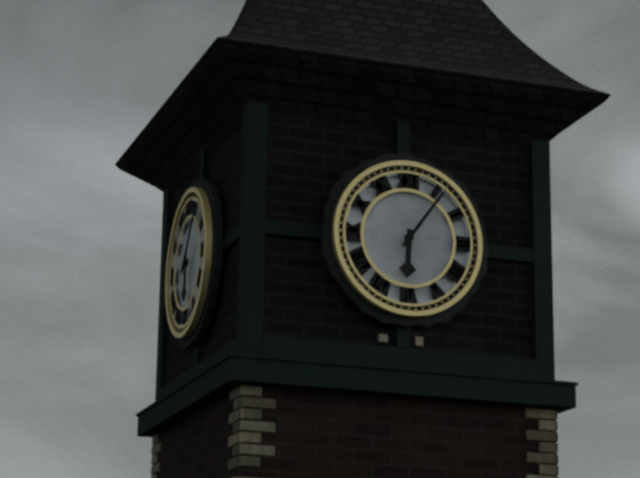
6.06
